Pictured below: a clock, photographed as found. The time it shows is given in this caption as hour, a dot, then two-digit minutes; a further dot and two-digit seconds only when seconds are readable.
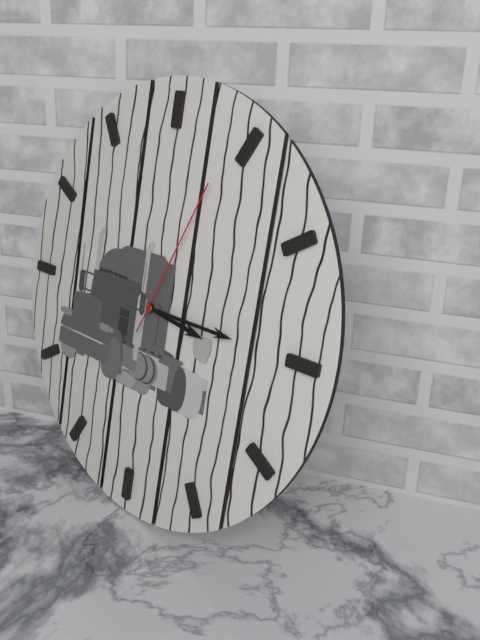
3.15.04
